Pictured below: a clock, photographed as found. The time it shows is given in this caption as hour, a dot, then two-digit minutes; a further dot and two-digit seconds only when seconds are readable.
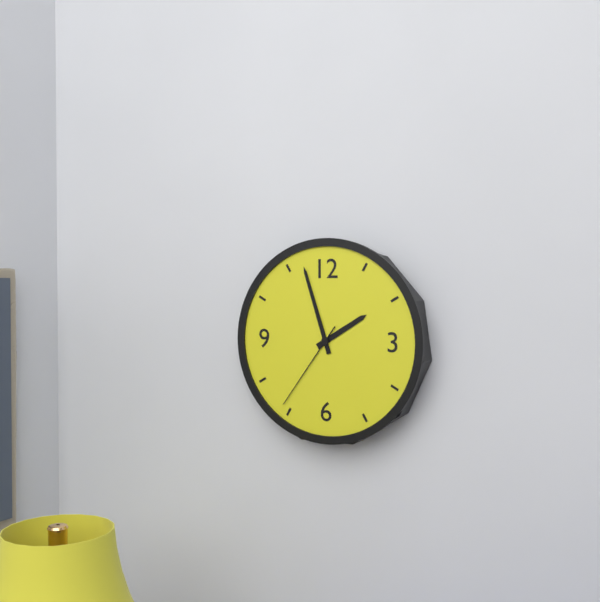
1.57.36
